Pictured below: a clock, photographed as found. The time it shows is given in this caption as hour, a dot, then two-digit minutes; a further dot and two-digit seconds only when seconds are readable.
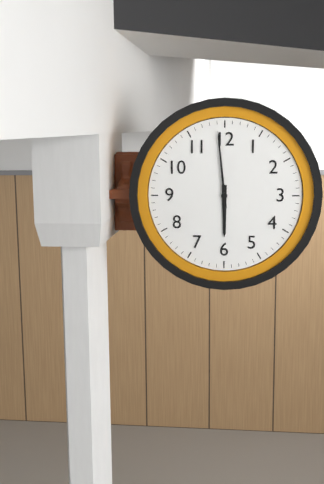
5.59
